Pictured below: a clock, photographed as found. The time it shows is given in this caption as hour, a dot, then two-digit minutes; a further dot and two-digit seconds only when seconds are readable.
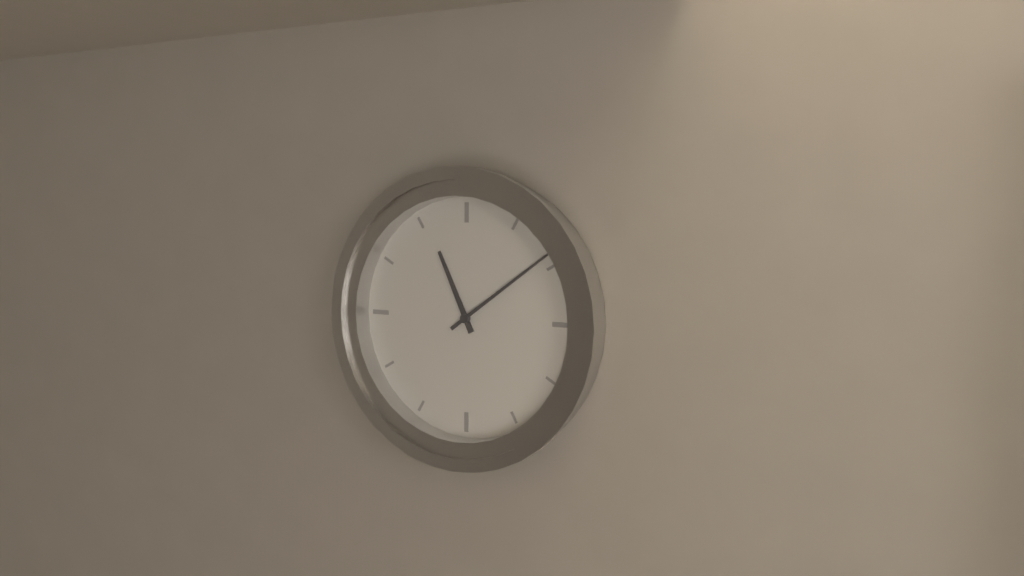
11.09
